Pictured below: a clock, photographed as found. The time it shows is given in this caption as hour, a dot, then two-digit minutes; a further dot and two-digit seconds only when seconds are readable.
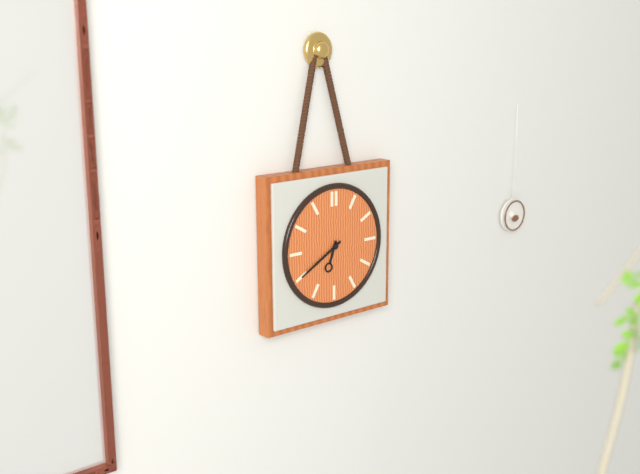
6.40
